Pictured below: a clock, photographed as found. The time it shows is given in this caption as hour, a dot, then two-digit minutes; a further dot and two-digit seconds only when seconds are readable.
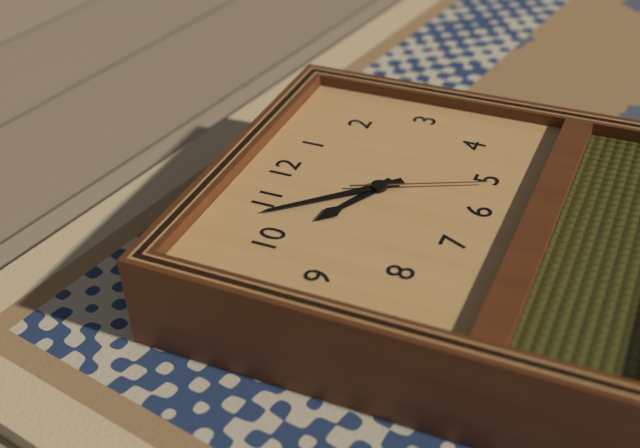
9.53.26
